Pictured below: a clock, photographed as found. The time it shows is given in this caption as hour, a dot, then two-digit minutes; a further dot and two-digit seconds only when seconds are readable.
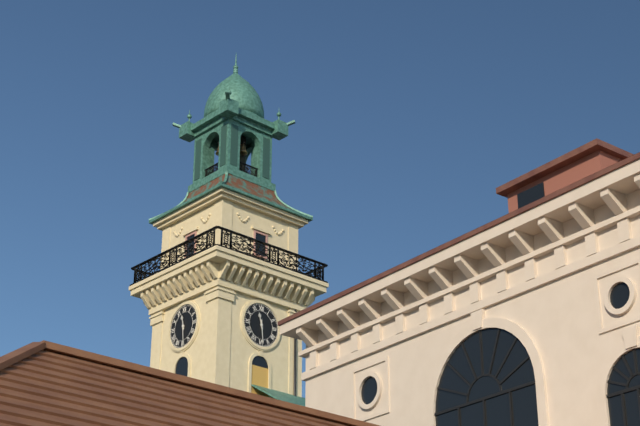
11.29
